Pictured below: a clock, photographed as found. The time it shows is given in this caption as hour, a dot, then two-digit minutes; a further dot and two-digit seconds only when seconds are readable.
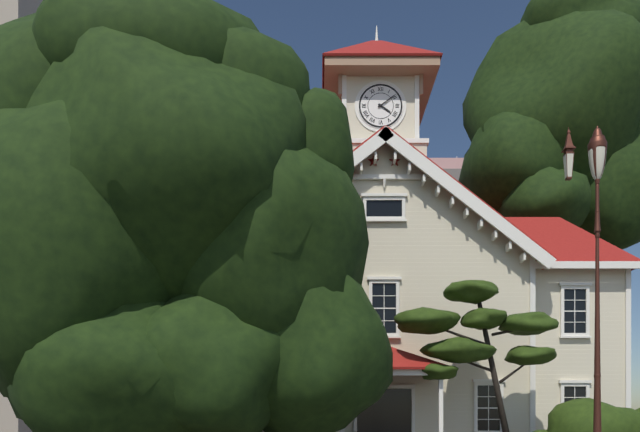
4.09
